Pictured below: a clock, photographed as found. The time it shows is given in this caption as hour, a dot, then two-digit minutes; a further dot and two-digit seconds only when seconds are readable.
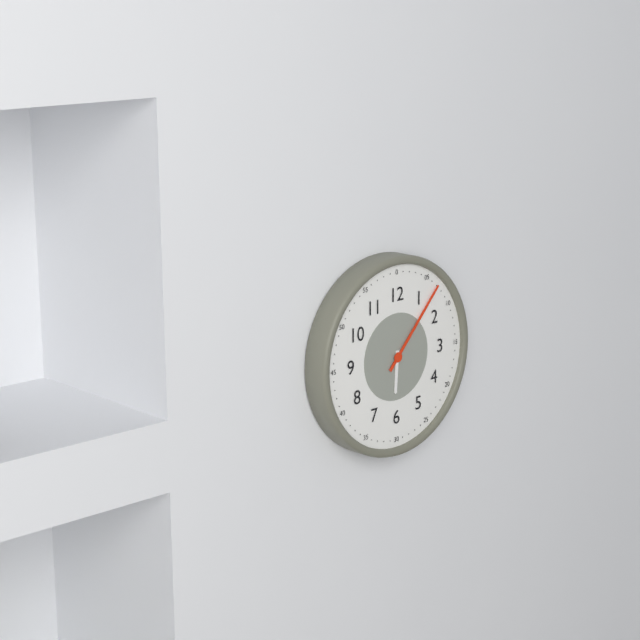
6.07
